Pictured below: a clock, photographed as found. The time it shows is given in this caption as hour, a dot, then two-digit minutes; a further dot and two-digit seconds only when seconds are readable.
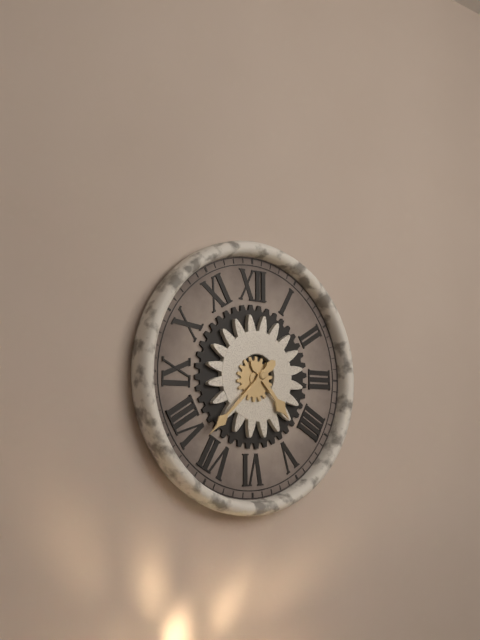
4.38
